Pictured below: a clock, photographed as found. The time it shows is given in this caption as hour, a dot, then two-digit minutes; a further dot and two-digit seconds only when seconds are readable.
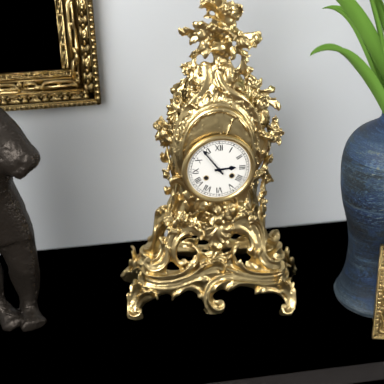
2.54
